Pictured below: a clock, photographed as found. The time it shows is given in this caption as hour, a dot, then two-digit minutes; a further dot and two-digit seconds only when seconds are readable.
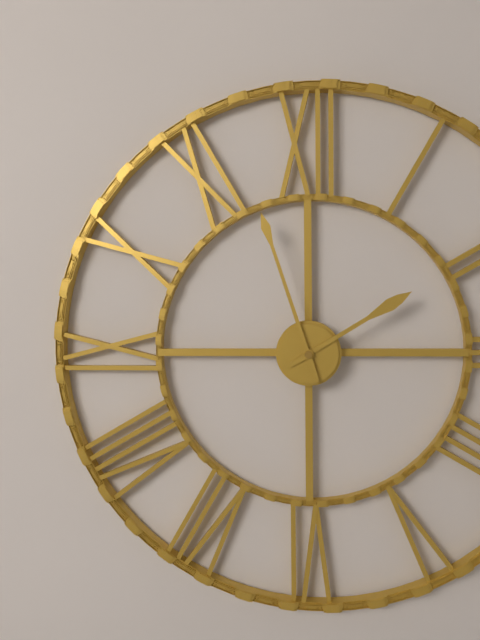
1.57
